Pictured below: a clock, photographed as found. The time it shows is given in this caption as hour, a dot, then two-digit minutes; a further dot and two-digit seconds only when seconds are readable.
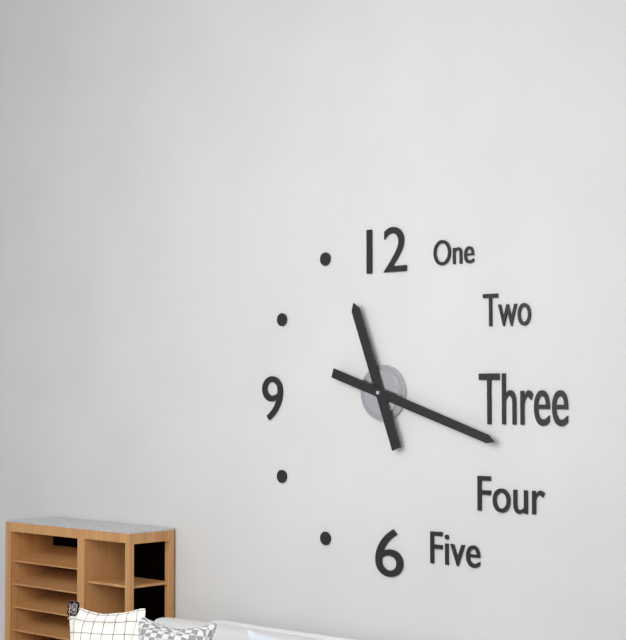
11.18
